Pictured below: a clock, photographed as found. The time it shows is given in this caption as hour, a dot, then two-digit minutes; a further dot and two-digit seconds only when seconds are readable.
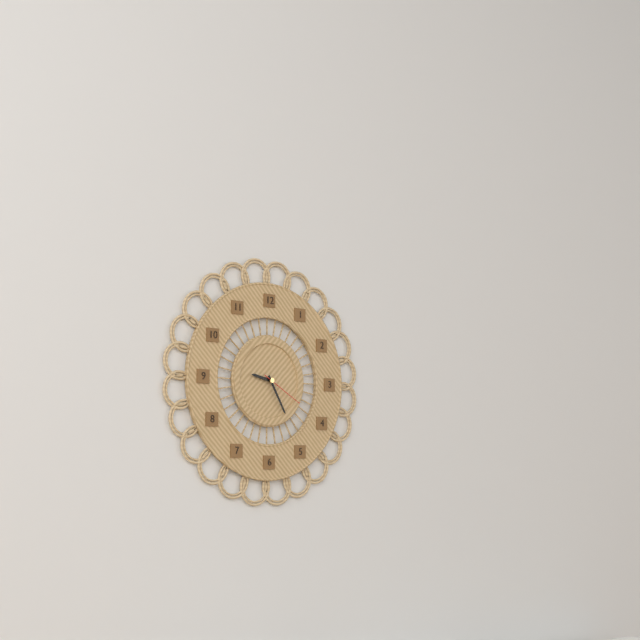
9.25
